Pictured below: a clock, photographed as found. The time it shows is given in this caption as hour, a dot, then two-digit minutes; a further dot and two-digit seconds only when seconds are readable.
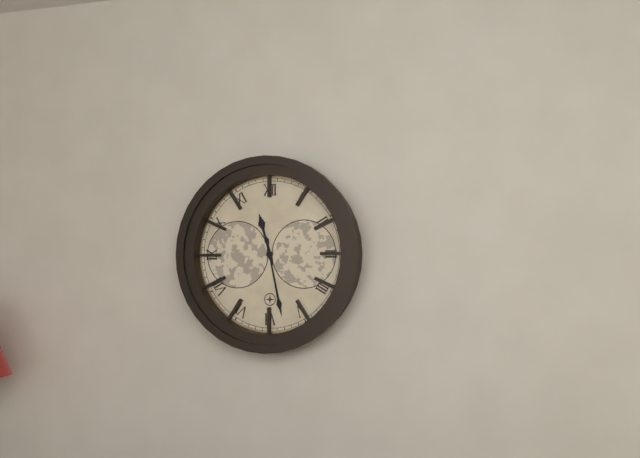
11.28
